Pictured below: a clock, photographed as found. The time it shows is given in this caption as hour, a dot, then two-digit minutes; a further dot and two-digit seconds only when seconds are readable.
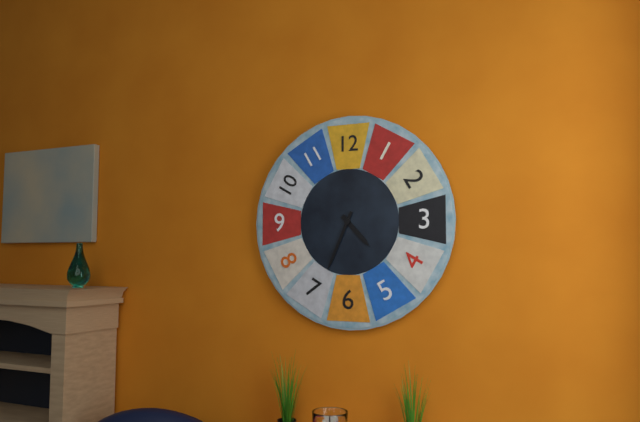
4.34
